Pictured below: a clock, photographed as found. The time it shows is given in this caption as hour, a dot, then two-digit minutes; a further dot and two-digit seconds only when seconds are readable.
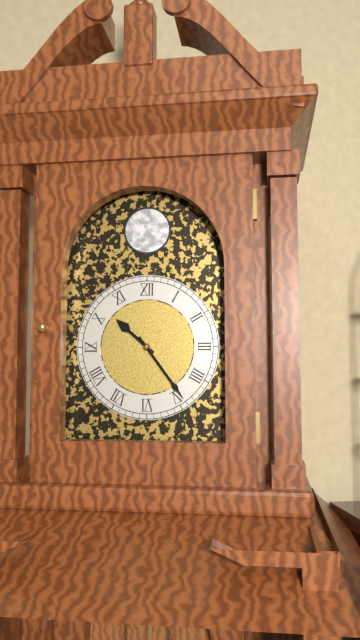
10.24
